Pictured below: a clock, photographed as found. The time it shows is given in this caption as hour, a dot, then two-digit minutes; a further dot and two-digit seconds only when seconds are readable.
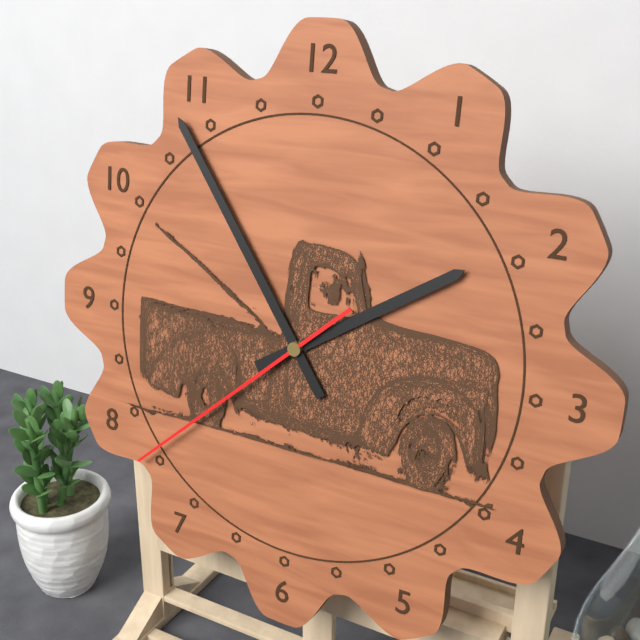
1.54.38
